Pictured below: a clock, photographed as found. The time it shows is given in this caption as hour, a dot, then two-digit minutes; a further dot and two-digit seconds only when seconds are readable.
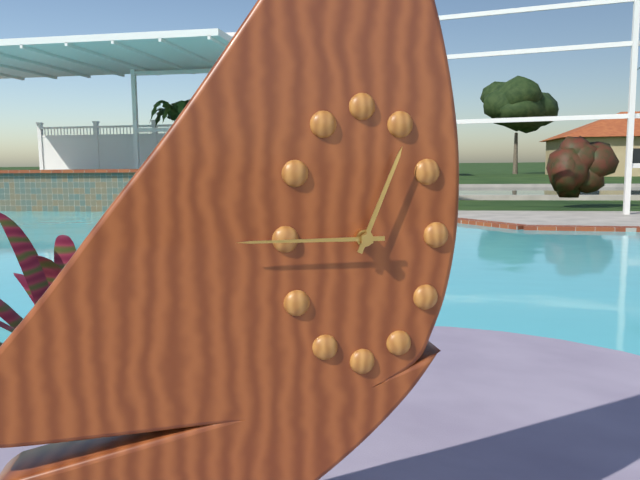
12.45
